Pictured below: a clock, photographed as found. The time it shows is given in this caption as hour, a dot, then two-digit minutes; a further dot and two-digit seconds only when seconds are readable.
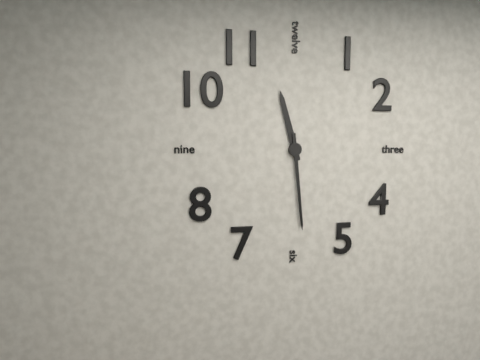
11.29
